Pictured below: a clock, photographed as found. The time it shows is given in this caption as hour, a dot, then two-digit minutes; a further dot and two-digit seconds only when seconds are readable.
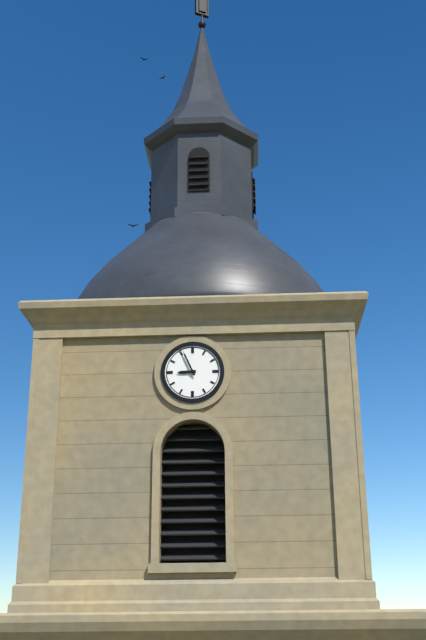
8.56
